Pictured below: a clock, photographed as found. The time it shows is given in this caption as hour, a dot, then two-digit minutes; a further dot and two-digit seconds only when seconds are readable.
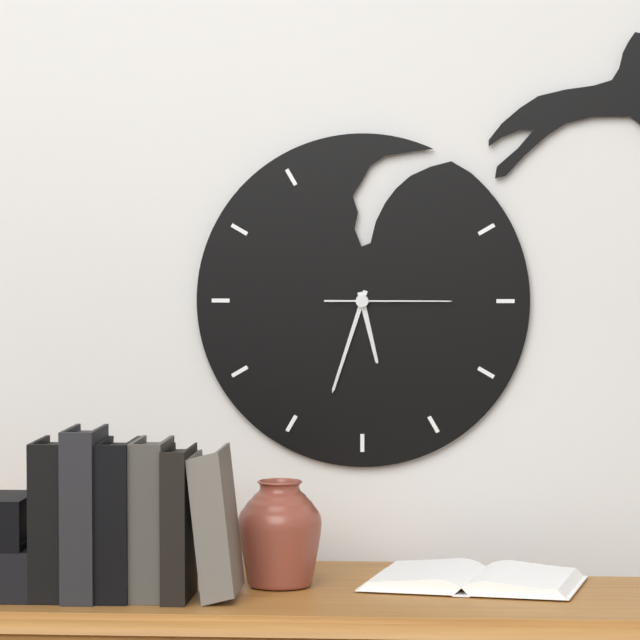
5.33.15
